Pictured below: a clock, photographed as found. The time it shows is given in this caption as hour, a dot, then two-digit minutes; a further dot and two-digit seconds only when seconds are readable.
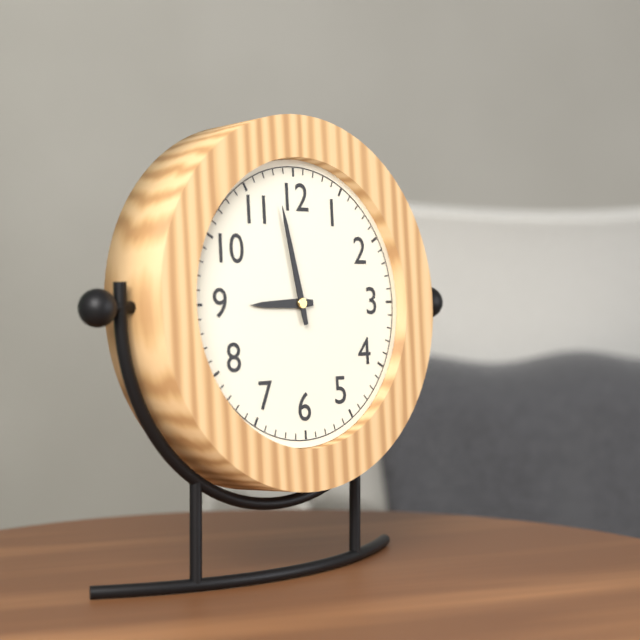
8.58
